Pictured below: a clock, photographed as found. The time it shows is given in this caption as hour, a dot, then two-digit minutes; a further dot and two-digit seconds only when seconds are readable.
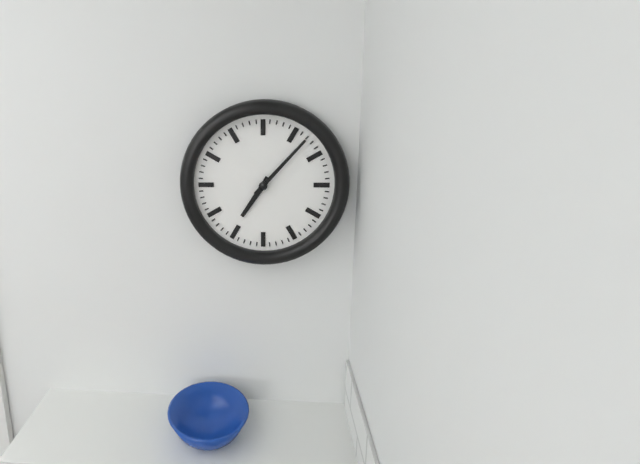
7.07
